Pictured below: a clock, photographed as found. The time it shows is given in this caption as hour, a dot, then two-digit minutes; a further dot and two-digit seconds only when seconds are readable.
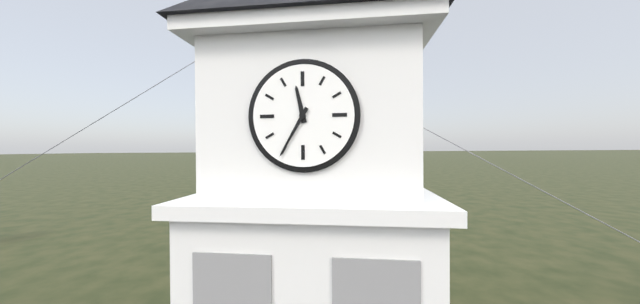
11.35
